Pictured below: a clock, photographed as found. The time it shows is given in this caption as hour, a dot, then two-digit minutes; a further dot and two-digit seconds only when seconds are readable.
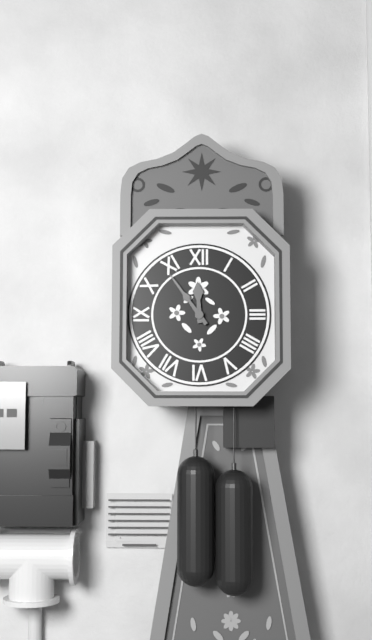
11.54
